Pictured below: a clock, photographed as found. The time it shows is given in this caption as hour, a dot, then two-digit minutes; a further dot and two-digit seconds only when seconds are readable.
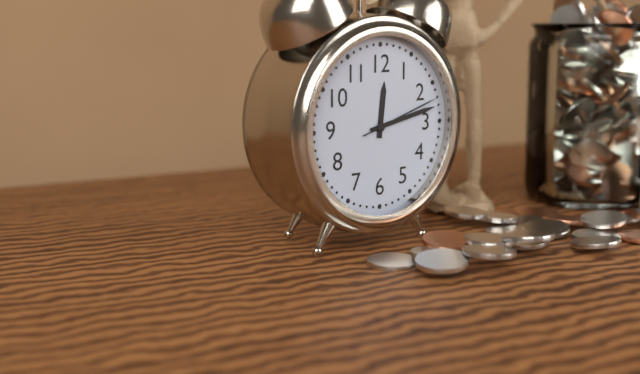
12.13.12
